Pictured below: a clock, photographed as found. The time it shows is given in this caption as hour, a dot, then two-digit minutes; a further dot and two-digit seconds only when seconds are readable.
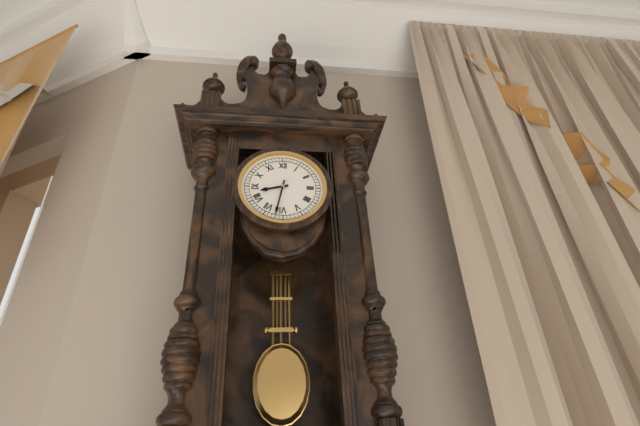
8.32
